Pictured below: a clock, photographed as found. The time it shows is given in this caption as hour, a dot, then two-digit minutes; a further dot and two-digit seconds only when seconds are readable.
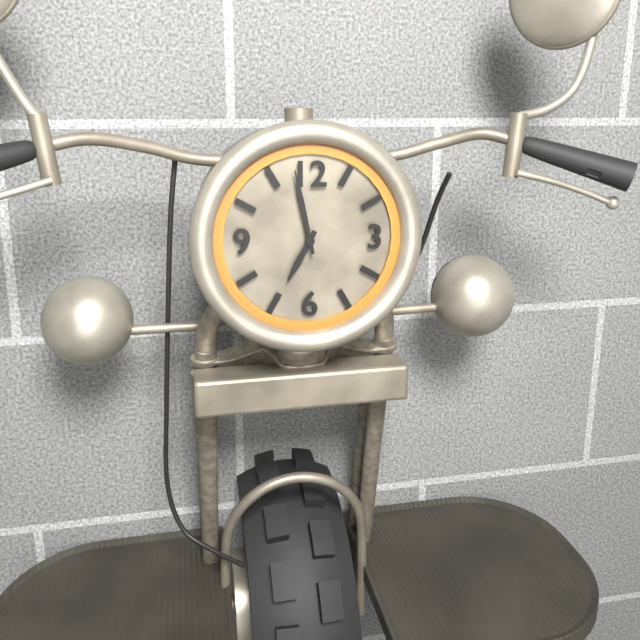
6.58
